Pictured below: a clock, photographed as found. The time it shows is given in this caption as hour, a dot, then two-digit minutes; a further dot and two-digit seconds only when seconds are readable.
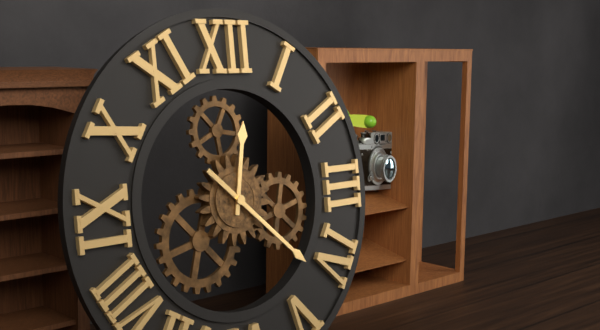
12.22
